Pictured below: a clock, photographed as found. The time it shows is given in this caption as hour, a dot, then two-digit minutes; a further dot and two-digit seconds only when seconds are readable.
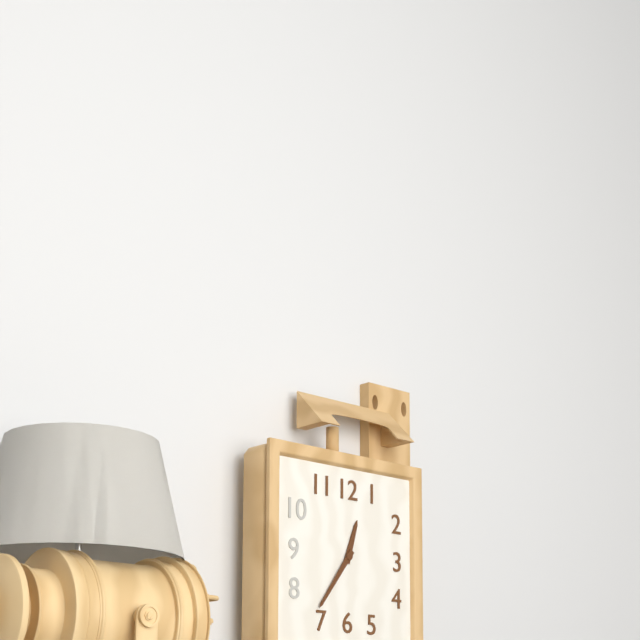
12.36
